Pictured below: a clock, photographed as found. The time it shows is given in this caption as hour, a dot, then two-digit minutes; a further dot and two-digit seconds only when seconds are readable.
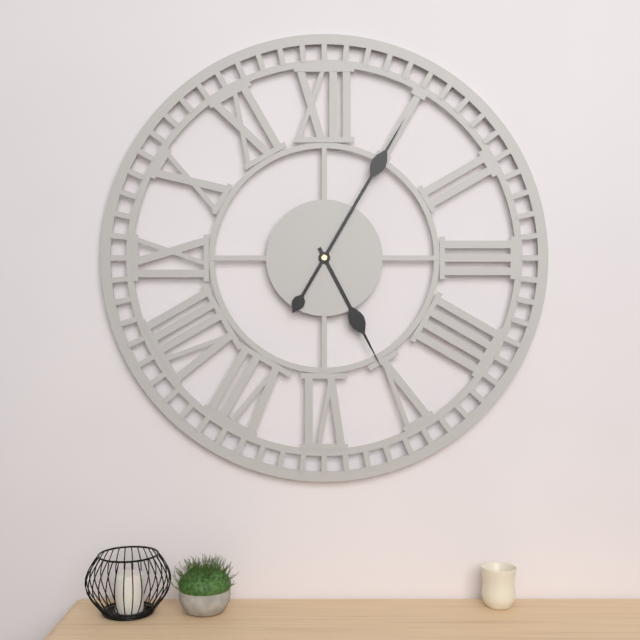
5.05
